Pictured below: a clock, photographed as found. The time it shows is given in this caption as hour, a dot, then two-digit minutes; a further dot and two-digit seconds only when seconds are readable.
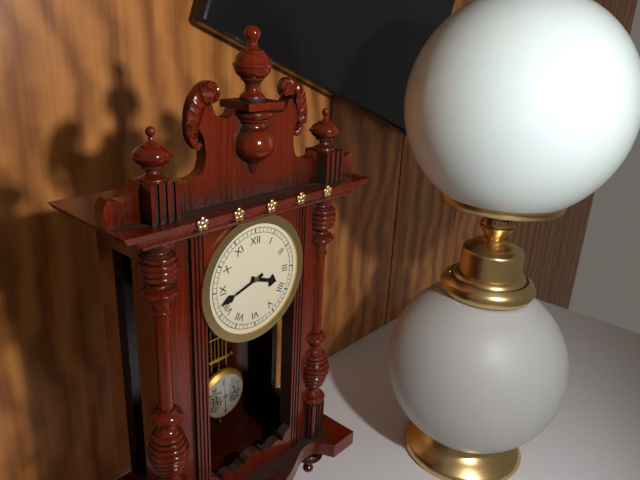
3.42
